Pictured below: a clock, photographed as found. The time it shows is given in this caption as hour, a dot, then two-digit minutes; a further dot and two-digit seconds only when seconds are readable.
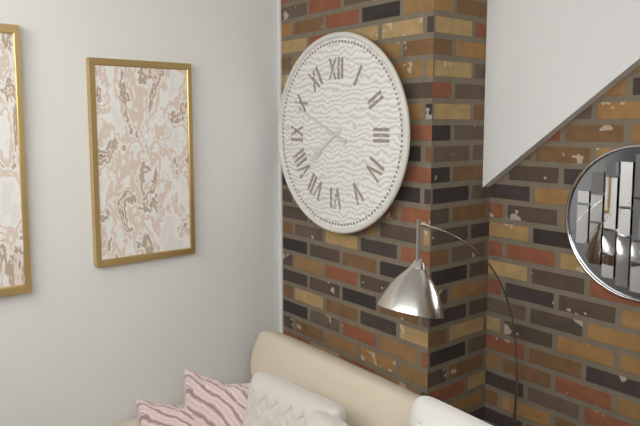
7.49
